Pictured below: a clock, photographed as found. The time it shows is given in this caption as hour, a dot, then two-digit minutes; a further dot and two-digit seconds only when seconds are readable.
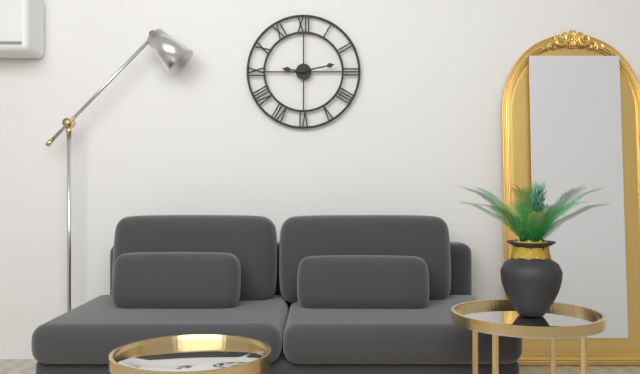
9.13
